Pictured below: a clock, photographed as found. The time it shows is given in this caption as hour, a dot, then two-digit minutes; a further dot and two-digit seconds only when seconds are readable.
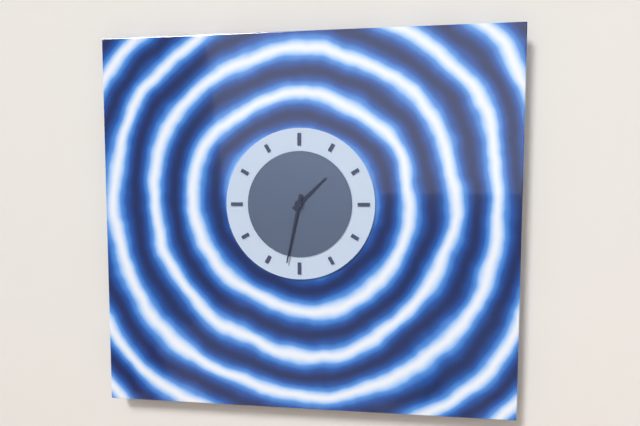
1.32
